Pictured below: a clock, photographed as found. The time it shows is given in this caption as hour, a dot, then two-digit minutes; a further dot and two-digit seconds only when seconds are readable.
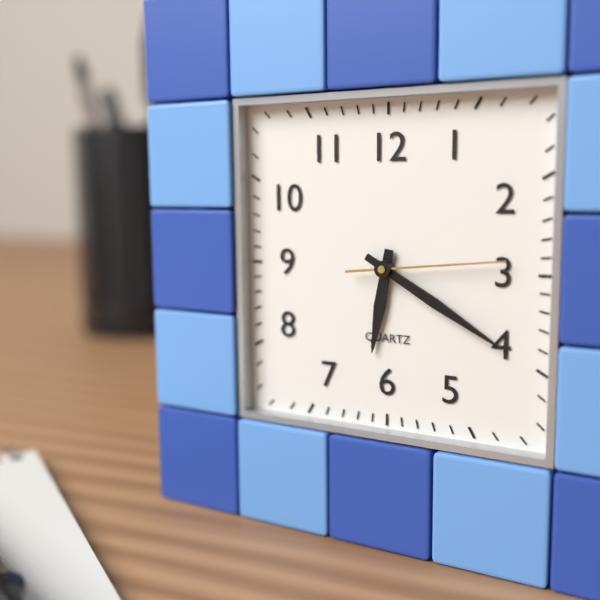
6.20.14
